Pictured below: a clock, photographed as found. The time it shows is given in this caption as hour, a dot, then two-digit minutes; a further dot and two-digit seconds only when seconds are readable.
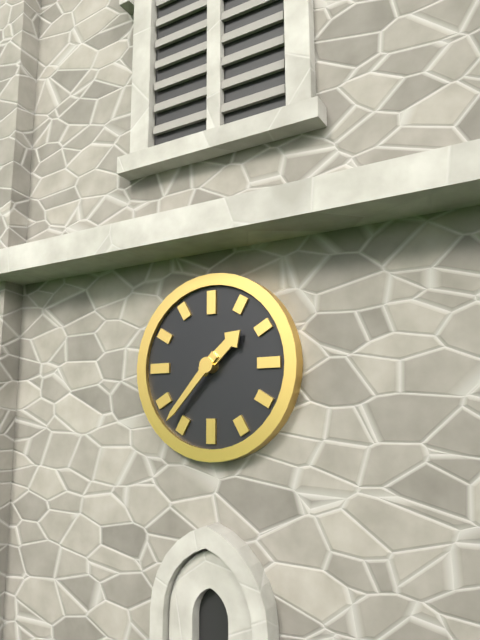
1.37
